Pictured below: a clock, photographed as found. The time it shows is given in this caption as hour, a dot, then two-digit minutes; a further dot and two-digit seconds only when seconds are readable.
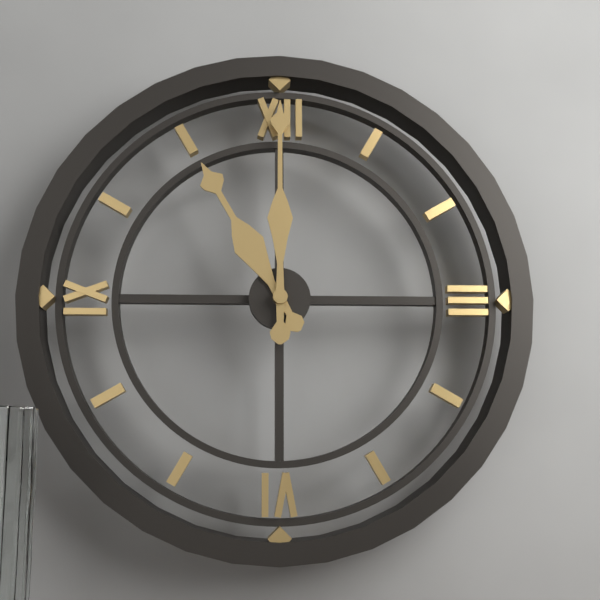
11.00
